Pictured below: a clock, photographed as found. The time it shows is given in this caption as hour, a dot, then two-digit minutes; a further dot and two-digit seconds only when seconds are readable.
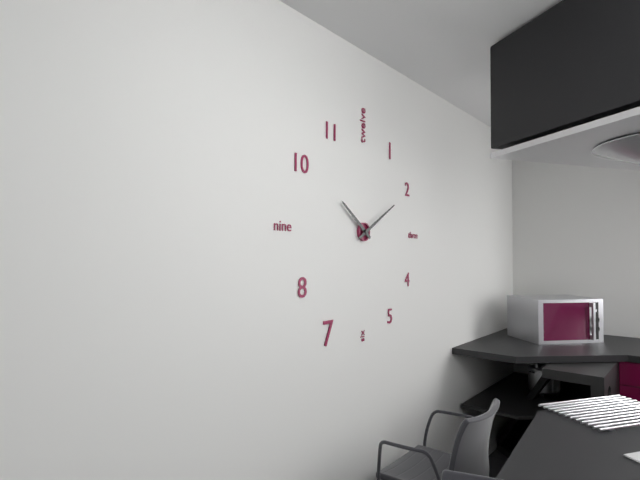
10.10
